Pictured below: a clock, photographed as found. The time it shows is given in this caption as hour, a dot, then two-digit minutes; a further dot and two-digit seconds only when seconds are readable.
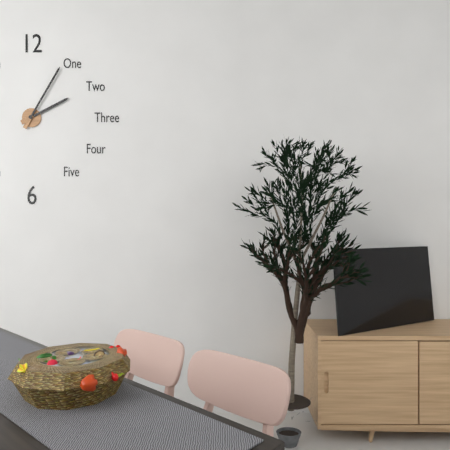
2.05
